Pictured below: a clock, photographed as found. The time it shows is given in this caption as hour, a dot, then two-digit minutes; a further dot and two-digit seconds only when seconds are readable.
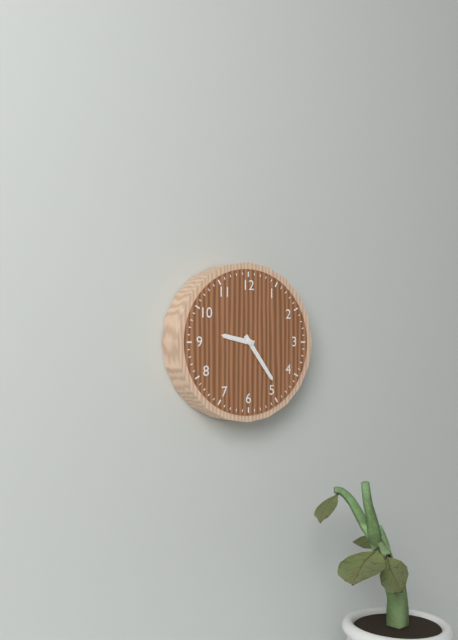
9.24
